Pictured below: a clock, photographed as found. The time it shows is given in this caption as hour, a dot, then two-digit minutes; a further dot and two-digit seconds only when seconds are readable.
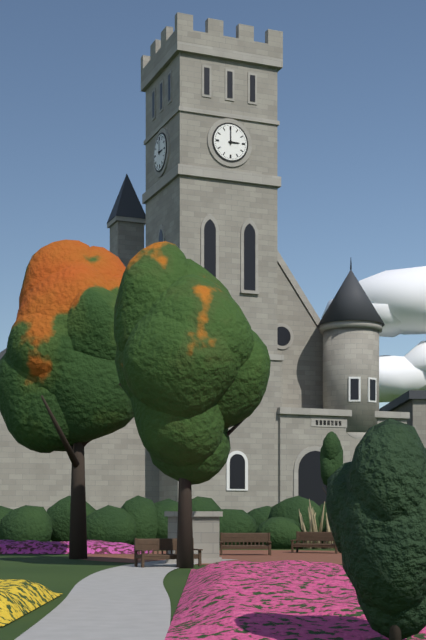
3.00
